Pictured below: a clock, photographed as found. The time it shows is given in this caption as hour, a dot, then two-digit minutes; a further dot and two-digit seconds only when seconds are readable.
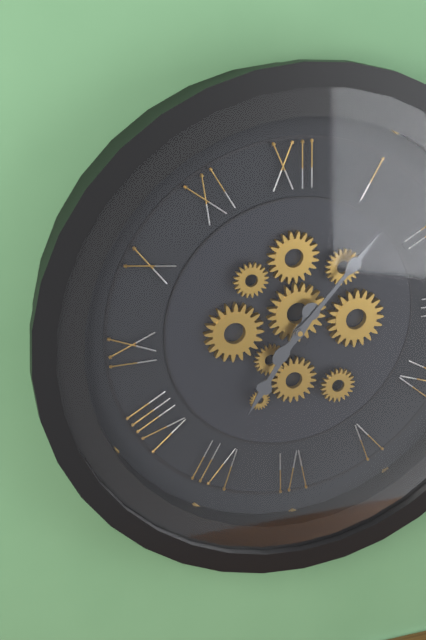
7.07
